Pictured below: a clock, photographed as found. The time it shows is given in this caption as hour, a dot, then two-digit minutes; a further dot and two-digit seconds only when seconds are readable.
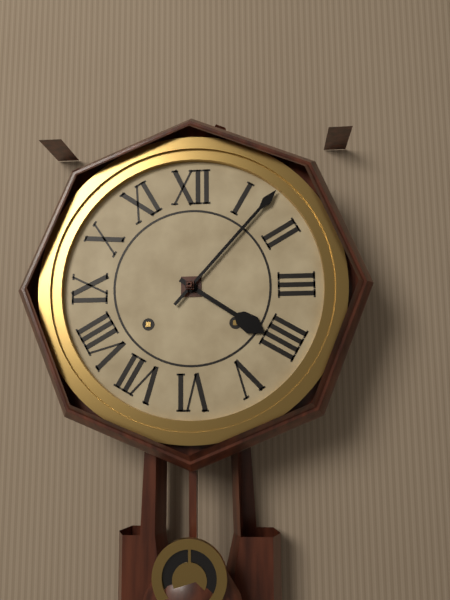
4.07
